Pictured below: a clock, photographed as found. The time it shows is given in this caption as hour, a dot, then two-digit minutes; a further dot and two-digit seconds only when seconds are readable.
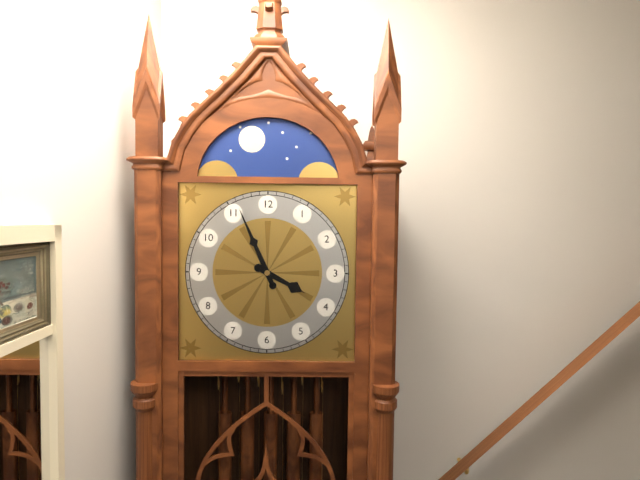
3.56
